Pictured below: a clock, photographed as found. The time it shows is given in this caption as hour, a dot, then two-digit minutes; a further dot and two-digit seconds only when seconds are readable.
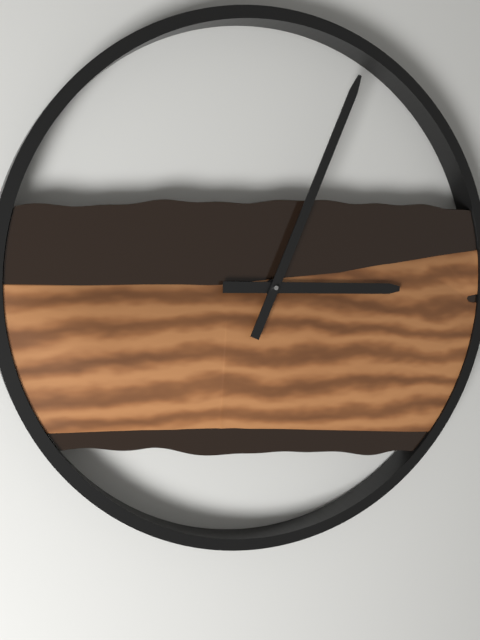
3.04
